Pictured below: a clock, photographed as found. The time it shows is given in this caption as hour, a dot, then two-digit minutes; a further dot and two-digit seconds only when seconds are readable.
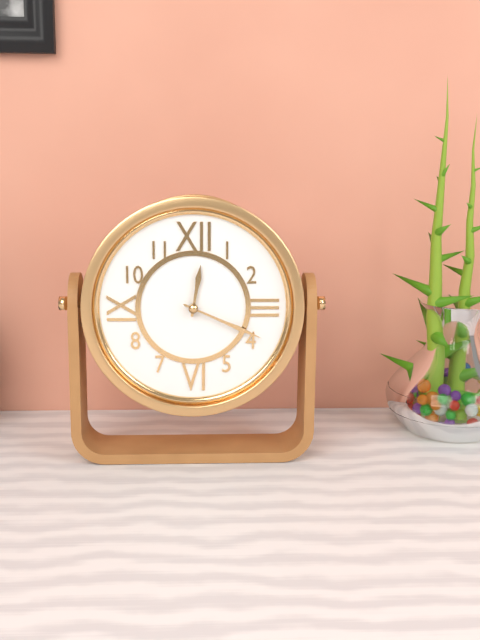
12.19
